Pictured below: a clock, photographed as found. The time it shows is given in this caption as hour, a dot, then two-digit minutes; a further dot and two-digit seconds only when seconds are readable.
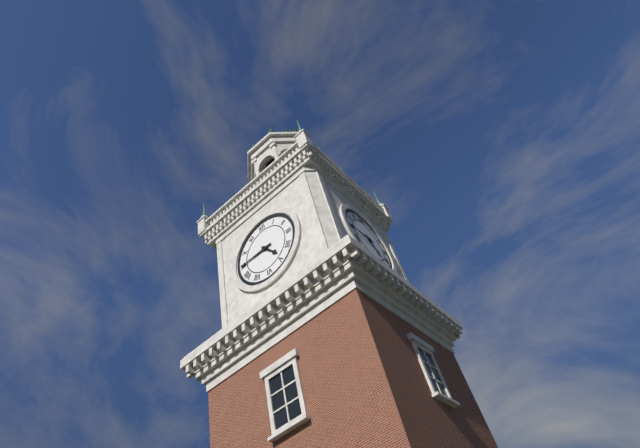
4.45
